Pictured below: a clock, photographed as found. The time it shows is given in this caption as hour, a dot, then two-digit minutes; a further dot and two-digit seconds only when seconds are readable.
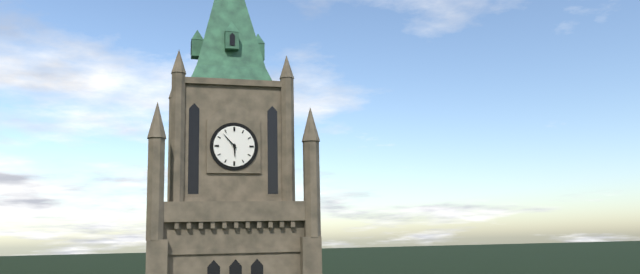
5.53
